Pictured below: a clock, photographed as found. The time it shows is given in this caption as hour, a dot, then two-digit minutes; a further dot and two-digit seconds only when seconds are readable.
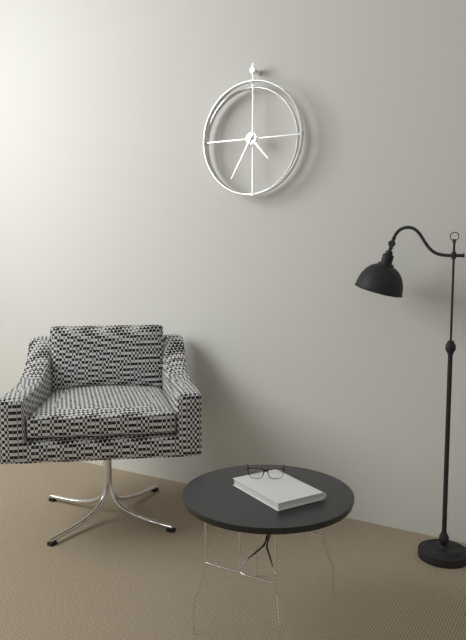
4.35
